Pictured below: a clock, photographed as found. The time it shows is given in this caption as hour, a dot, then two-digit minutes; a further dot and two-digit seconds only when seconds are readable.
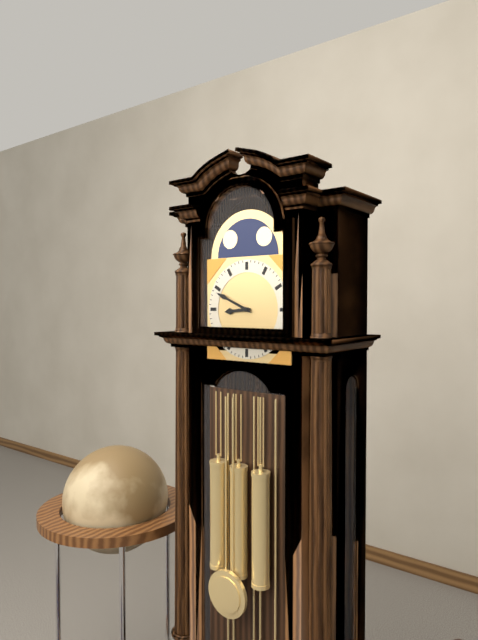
8.49
